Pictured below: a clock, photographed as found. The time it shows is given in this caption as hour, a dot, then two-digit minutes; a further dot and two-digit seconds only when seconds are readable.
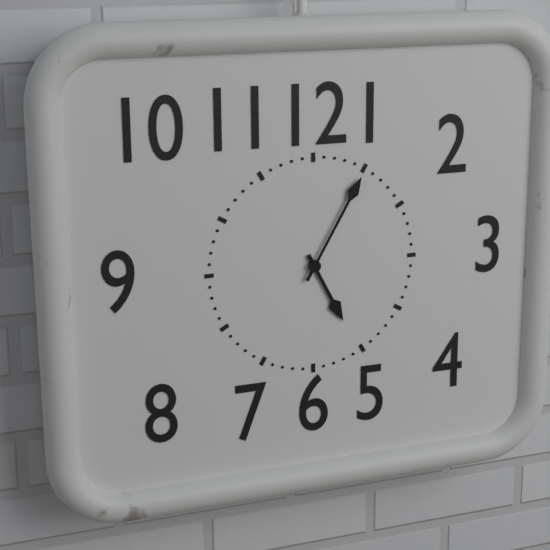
5.05
